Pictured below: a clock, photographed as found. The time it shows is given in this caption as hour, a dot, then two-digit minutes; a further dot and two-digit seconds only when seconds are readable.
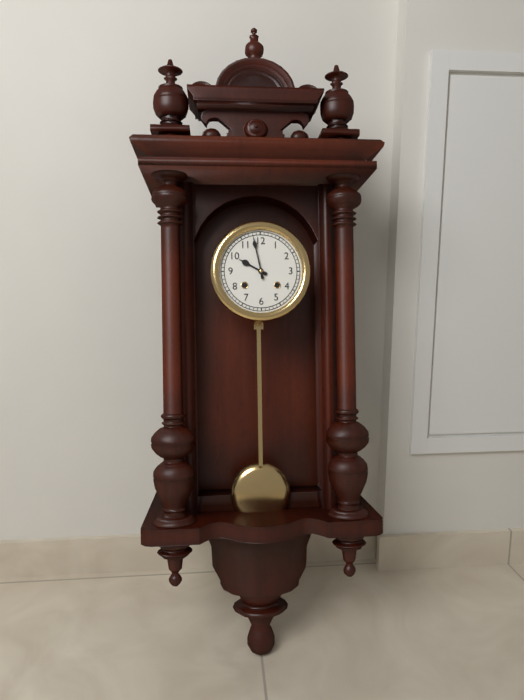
9.58
